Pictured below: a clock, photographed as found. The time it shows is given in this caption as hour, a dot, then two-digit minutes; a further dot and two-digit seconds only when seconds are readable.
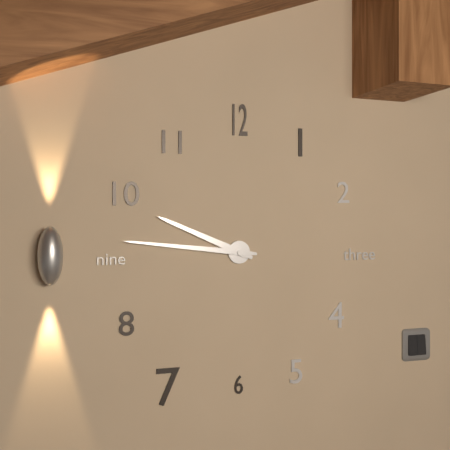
9.46
